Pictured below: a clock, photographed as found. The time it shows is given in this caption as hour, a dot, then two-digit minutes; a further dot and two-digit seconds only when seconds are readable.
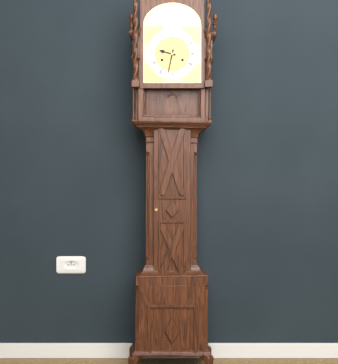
9.32
